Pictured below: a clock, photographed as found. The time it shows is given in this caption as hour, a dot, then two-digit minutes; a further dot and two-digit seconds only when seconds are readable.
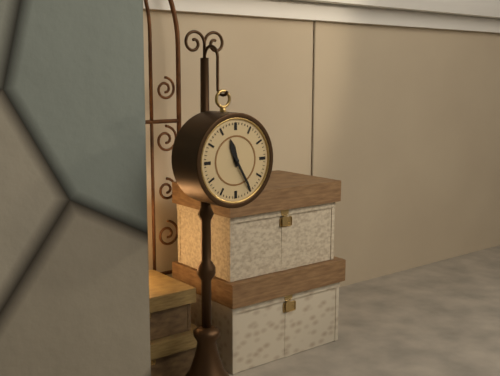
11.25
